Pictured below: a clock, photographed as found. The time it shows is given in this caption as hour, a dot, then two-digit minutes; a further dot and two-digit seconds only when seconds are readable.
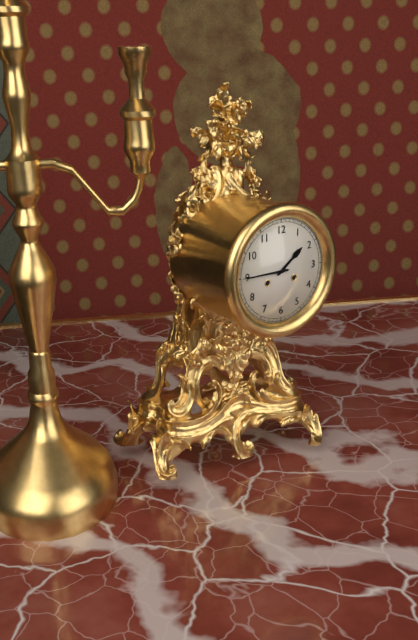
1.45
